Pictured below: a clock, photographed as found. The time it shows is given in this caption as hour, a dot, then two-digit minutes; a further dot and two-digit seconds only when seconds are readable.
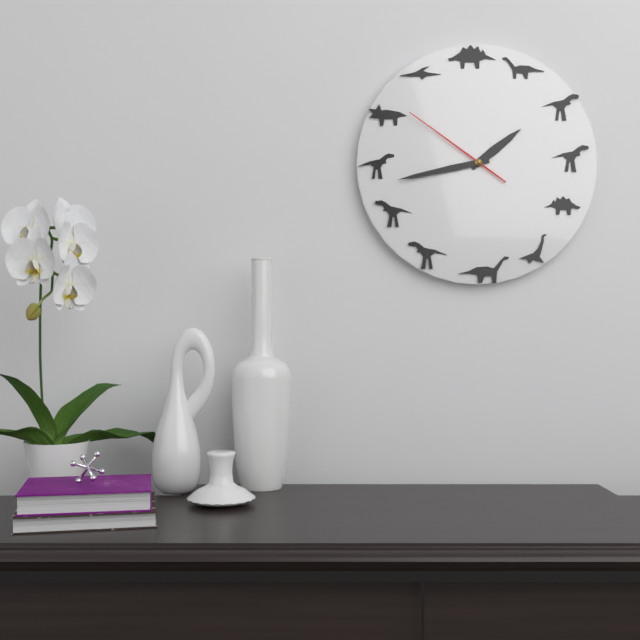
1.43.51
